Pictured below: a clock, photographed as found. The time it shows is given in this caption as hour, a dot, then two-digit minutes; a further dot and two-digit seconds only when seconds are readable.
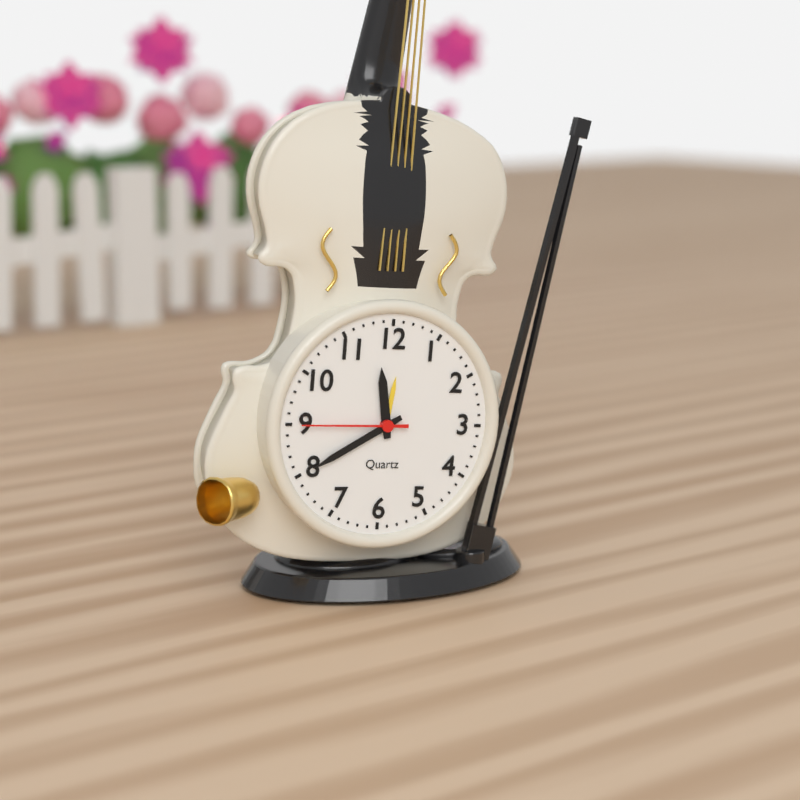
11.40.45
